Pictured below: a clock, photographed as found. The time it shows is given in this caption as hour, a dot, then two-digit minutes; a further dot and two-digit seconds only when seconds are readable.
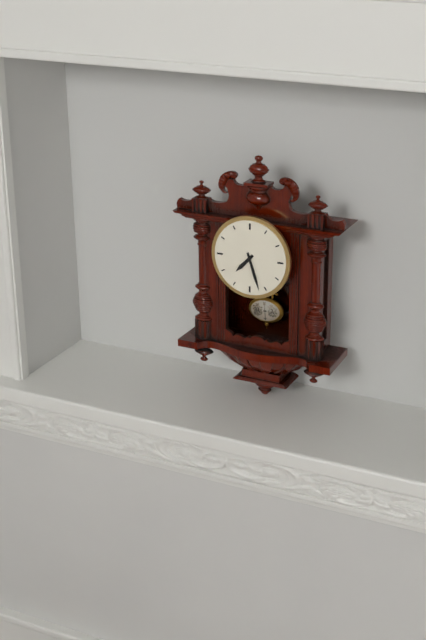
7.27
